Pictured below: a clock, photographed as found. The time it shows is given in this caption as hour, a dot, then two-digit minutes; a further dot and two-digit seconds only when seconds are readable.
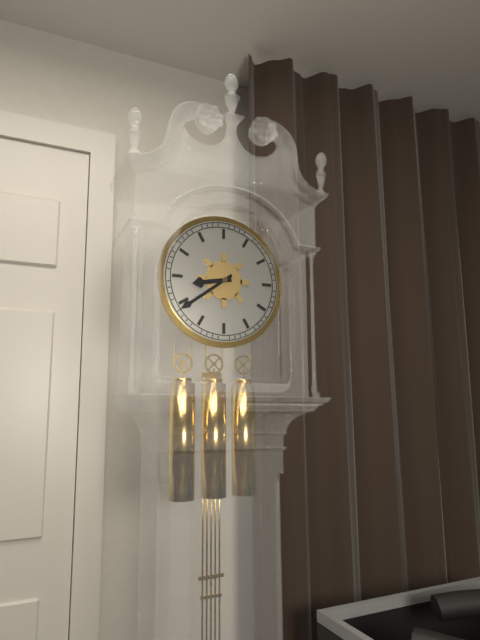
8.39
